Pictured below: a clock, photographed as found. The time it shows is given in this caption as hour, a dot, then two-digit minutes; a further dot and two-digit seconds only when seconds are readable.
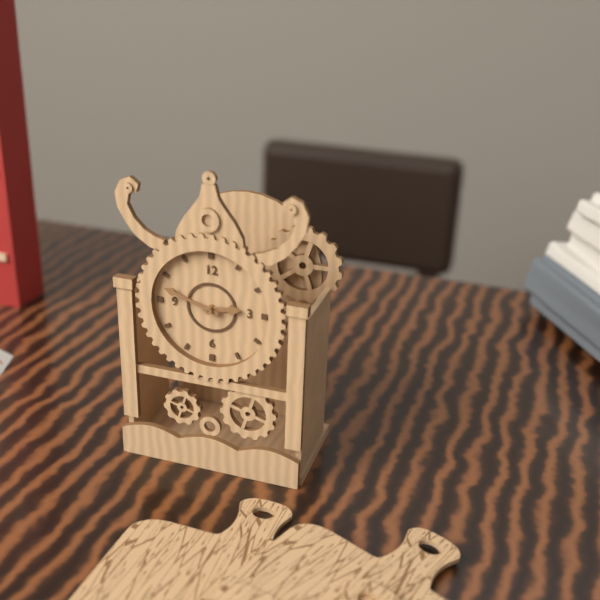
2.48
